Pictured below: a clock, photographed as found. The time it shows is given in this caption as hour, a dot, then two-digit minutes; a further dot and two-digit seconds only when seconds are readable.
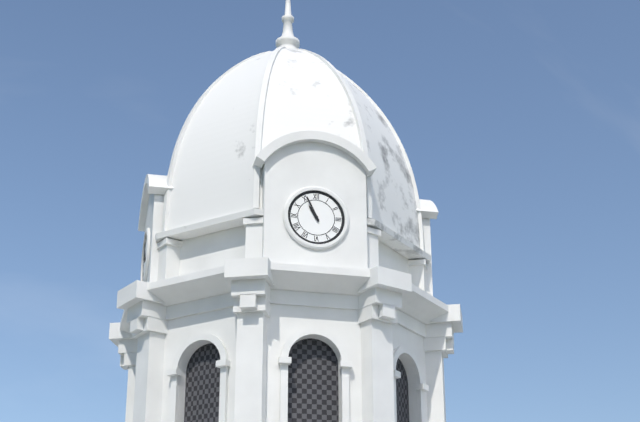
10.56
